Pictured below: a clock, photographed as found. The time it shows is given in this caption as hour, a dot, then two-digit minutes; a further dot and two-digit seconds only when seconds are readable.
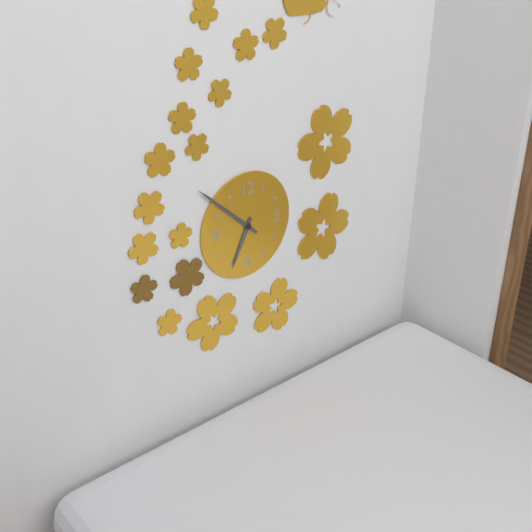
6.52
